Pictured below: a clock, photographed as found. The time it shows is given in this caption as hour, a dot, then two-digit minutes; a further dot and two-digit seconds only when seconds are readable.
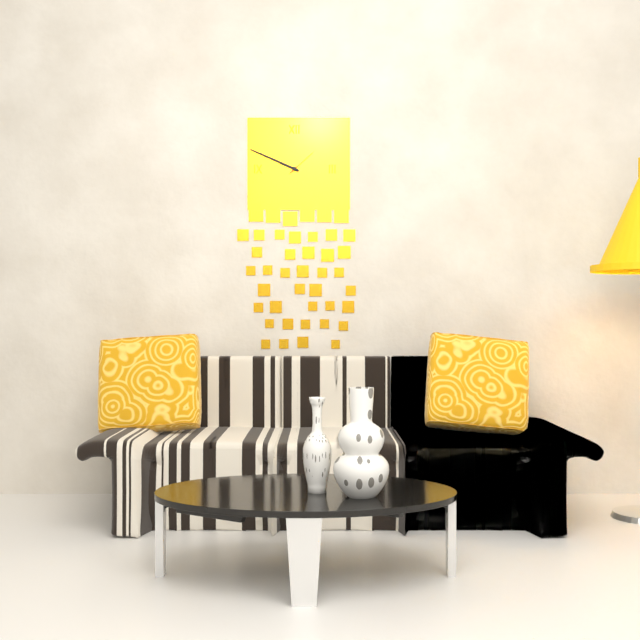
9.49
